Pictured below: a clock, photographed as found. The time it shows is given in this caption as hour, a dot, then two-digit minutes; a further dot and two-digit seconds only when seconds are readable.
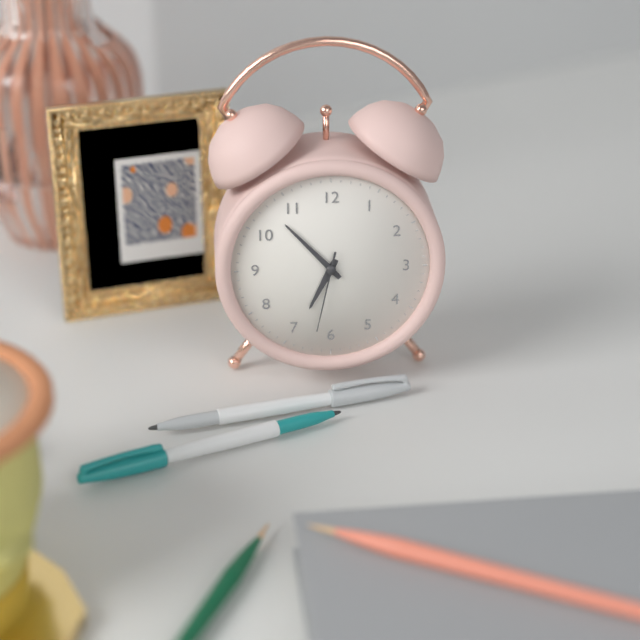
6.53.32
